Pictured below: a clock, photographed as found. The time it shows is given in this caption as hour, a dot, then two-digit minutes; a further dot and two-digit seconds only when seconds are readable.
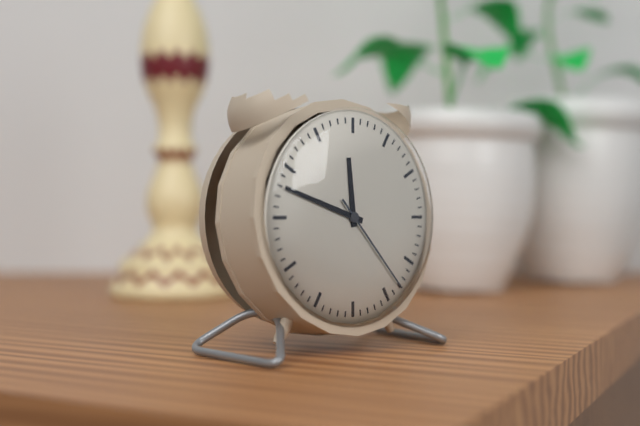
11.48.23
